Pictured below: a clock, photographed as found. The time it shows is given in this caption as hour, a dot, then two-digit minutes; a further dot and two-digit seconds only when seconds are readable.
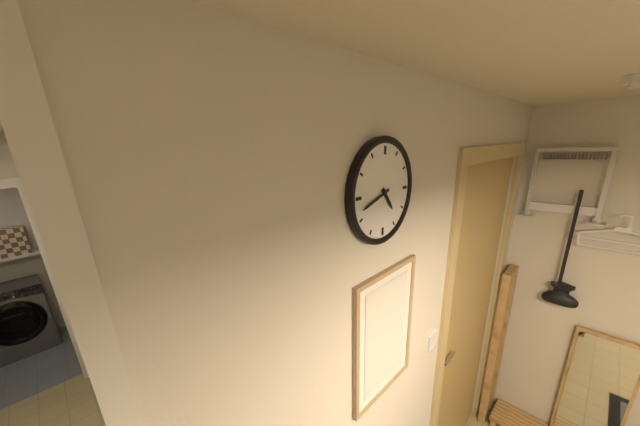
4.42
